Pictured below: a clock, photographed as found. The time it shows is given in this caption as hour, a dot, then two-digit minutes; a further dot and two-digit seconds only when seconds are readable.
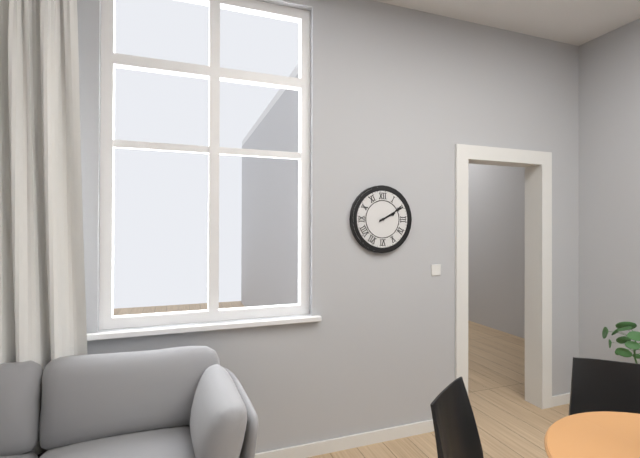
2.10
